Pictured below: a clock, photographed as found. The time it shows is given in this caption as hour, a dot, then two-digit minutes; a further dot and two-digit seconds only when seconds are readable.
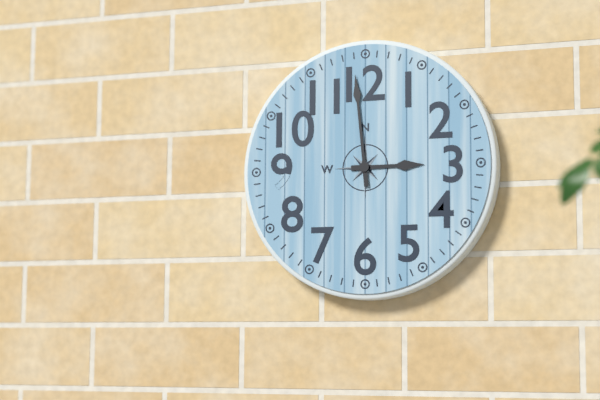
2.59
